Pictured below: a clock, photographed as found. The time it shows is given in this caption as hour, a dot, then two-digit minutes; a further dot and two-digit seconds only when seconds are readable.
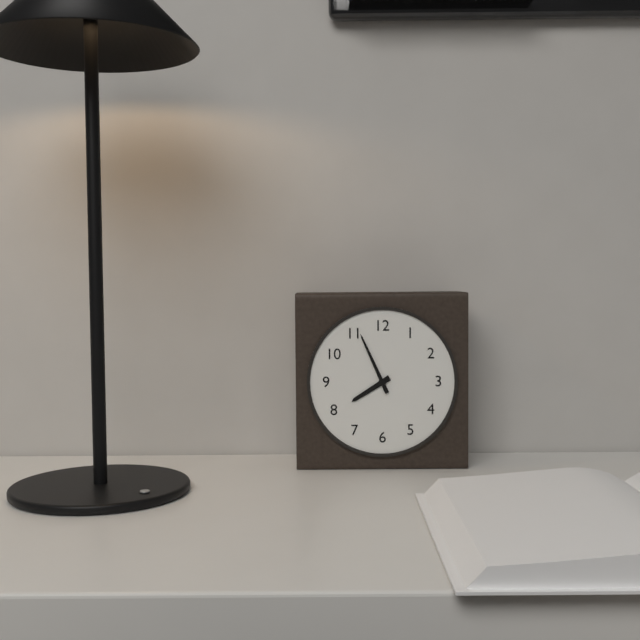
7.56
